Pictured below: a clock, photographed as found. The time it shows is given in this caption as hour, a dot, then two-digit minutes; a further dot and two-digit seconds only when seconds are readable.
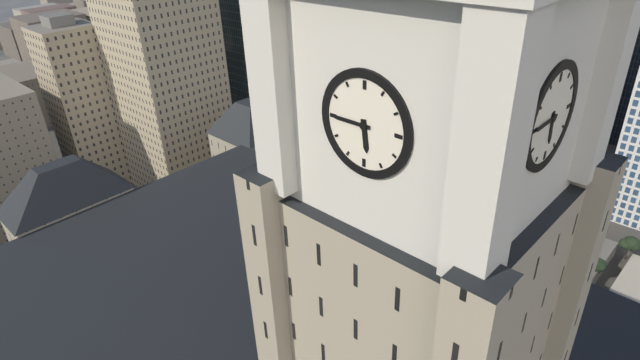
5.45
